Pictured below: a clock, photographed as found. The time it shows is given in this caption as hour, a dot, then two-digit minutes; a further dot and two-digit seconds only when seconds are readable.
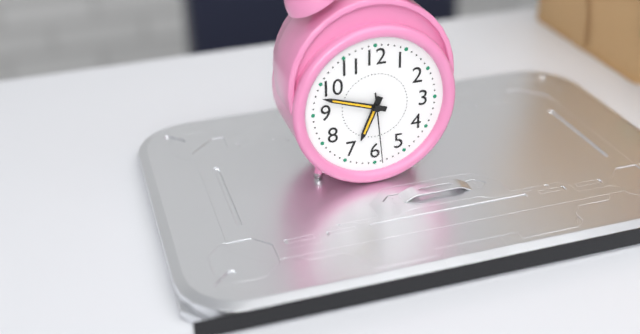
6.48.29
